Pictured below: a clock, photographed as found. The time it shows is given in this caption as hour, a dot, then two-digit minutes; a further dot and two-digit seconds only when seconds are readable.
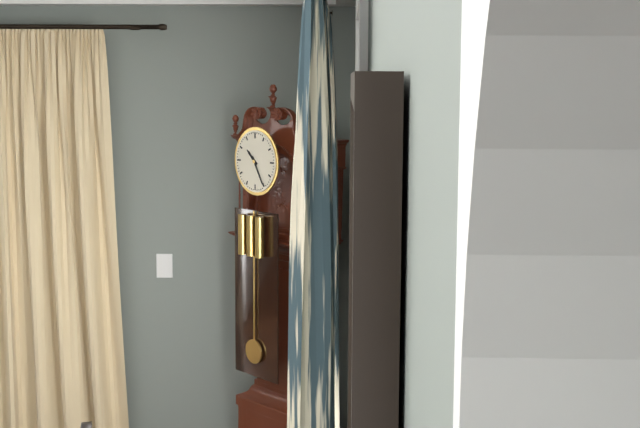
10.25
